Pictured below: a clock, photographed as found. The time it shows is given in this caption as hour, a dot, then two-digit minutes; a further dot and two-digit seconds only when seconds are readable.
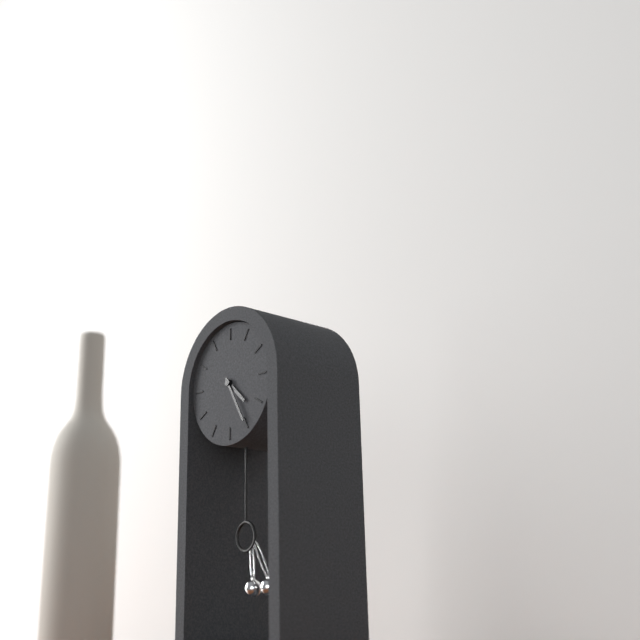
4.25
